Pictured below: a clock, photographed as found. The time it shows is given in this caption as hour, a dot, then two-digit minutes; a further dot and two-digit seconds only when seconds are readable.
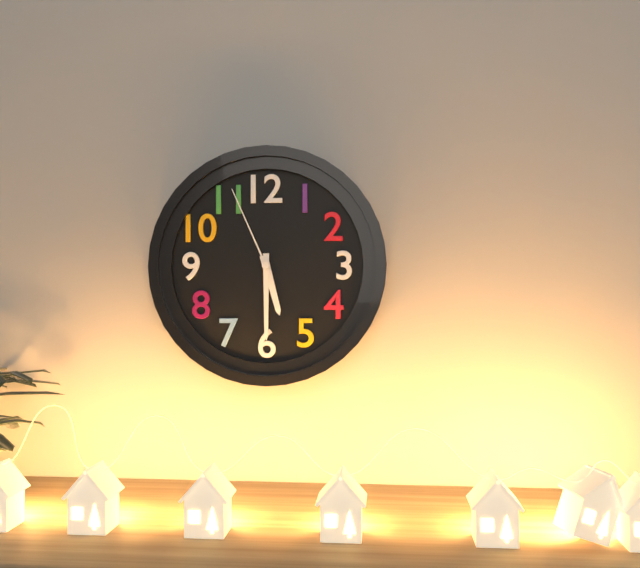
5.30.56
